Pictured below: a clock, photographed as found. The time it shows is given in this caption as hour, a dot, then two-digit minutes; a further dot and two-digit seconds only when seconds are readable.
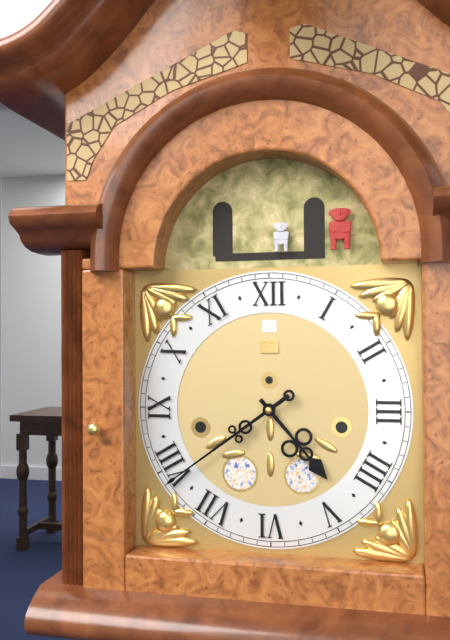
4.39
